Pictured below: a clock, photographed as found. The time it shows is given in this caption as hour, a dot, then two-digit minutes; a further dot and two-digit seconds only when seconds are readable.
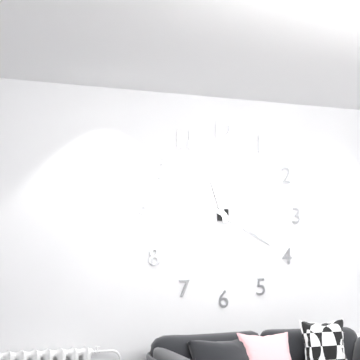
11.20
